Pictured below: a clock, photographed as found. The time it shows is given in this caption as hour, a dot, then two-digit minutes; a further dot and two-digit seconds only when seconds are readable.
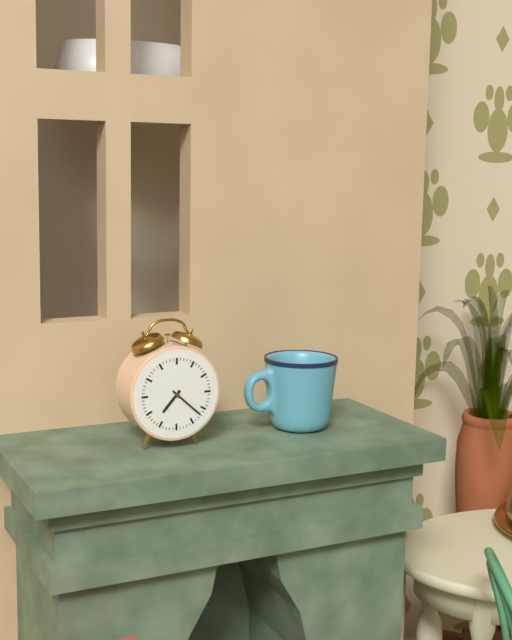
7.22
